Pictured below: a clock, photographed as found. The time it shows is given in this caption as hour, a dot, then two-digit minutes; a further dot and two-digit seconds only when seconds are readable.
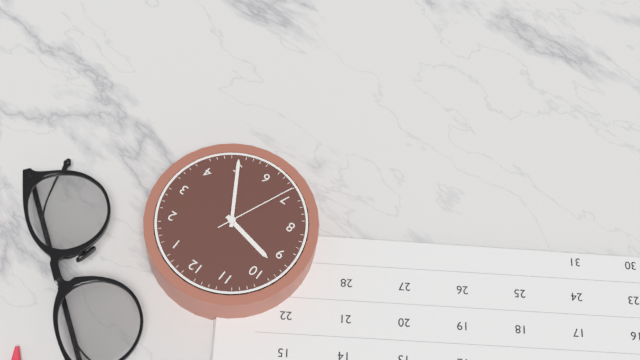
9.25.34
